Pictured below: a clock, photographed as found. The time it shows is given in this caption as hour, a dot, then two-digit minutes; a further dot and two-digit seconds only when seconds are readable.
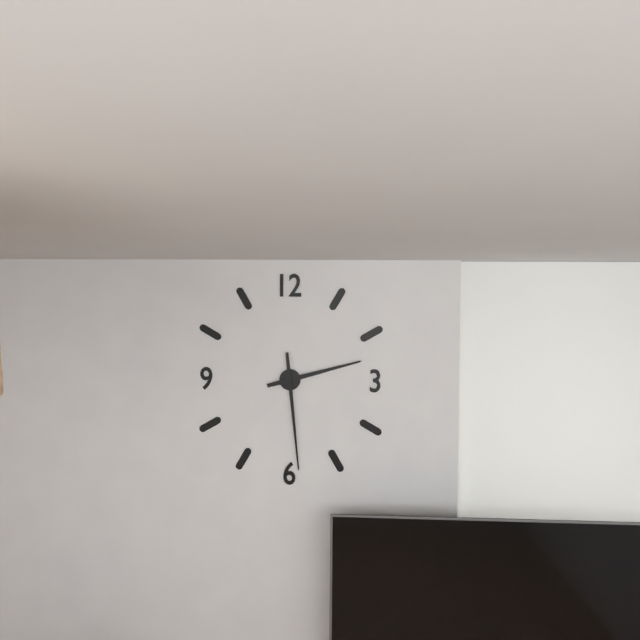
2.29
